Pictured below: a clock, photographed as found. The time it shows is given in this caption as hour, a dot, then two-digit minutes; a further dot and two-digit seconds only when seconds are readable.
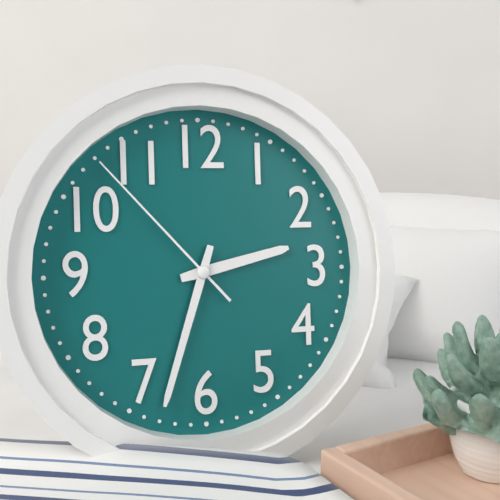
2.33.53
